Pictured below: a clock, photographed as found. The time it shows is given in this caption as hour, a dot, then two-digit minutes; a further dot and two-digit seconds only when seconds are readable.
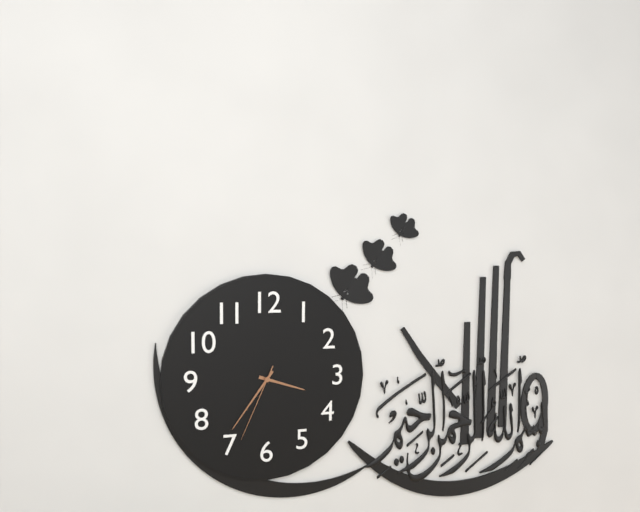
3.36.34
